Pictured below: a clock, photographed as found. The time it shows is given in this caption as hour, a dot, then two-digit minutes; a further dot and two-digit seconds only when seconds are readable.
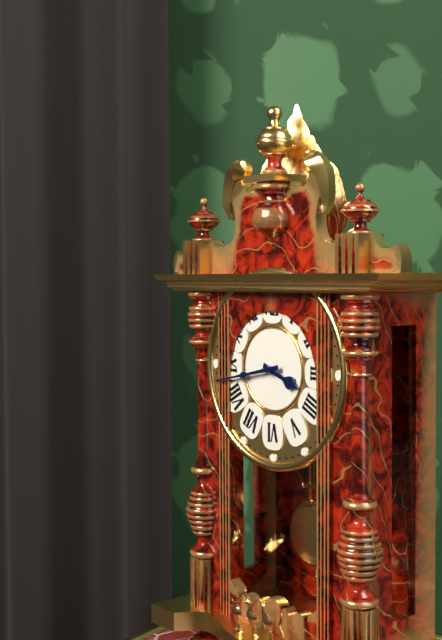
3.43
